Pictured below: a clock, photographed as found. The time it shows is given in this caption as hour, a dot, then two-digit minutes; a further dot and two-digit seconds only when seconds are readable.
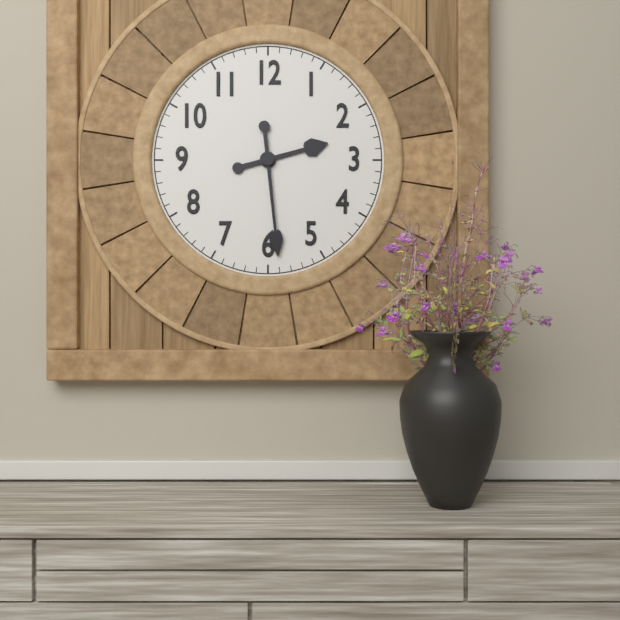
2.29
